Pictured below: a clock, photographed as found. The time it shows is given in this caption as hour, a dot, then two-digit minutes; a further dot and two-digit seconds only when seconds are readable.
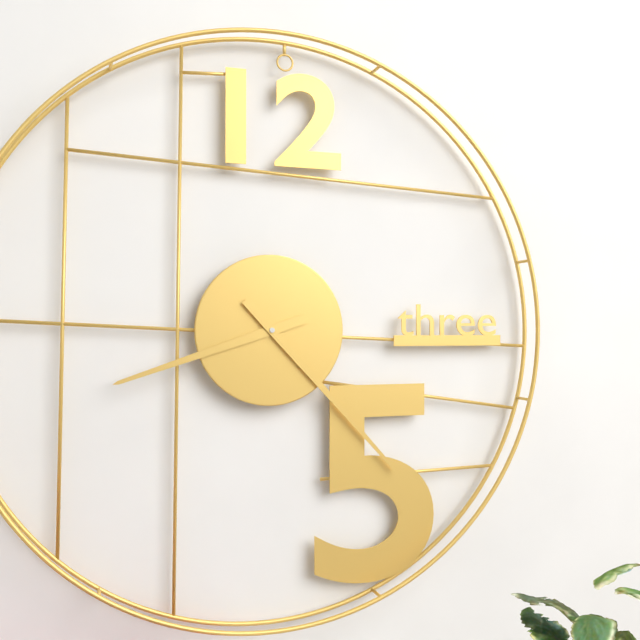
8.23
